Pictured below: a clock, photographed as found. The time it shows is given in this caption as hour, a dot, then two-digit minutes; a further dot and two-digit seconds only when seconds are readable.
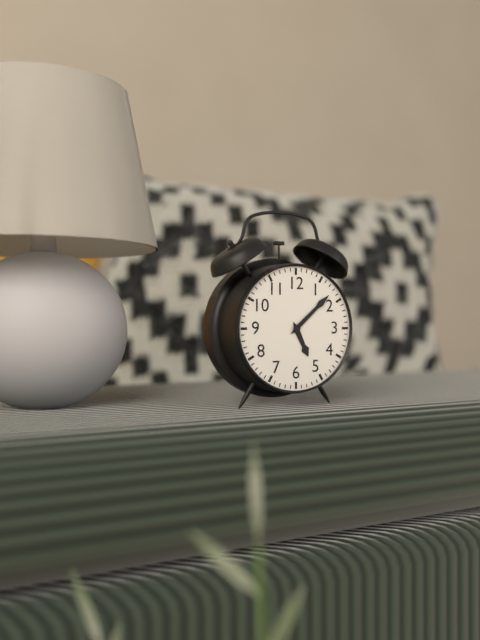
5.08
